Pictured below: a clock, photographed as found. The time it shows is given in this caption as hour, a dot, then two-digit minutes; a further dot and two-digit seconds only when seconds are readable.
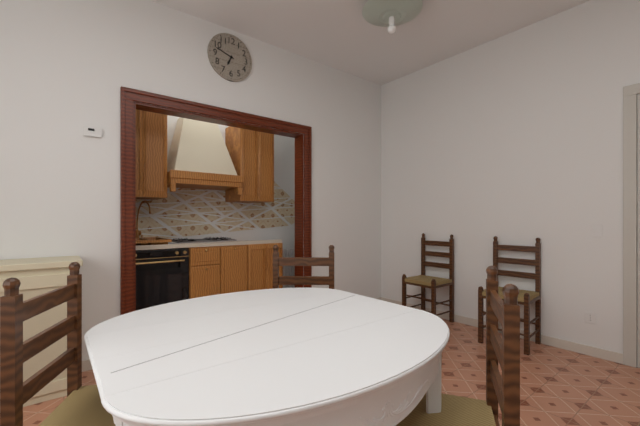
6.48
